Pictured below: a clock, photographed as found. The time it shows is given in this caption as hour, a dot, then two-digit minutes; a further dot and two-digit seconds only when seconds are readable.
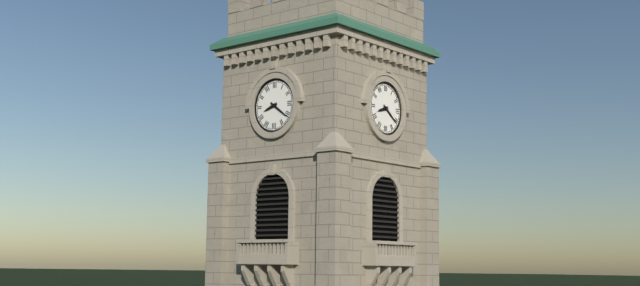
8.21
